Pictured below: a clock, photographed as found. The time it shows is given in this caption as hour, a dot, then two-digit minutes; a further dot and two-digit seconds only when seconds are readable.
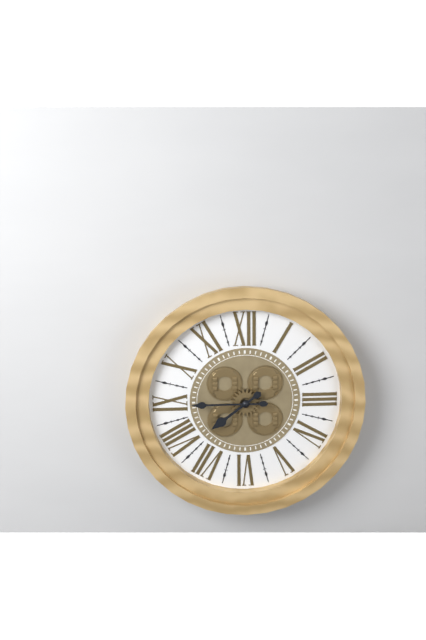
7.45
